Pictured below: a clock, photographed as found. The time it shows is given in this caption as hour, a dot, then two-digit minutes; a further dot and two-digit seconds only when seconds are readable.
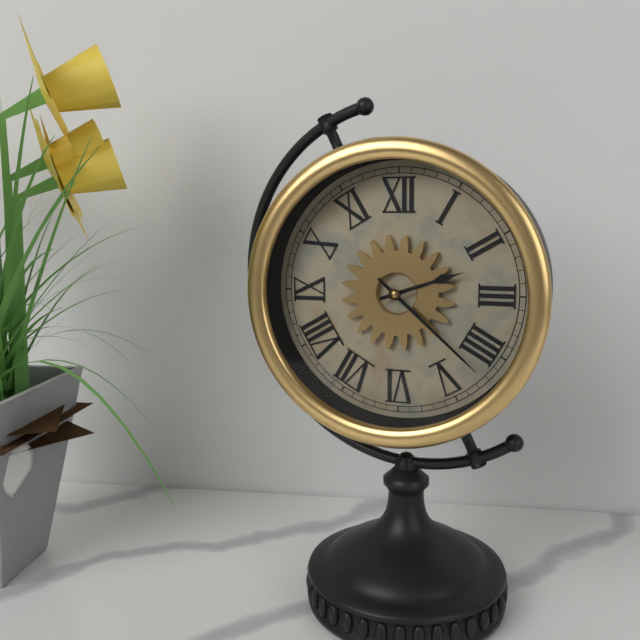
2.22
